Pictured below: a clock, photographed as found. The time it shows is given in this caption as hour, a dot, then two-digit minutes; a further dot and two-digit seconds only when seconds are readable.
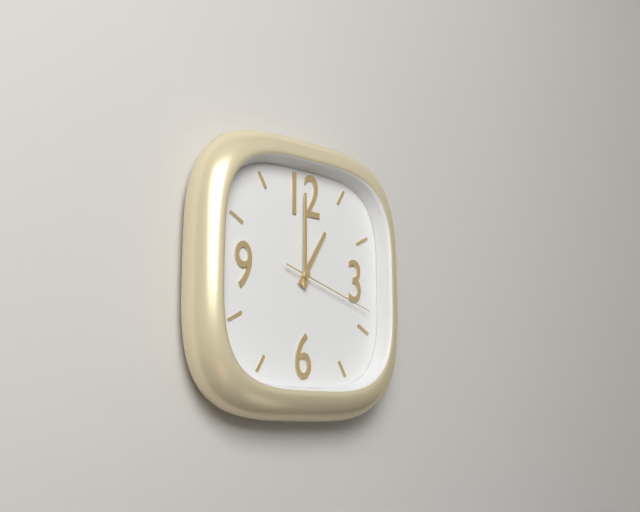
1.00.18
